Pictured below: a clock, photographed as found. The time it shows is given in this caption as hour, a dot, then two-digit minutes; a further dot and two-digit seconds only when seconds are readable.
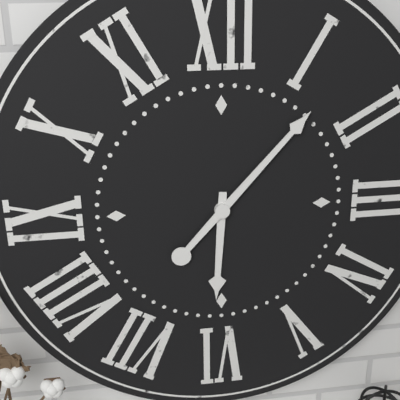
6.07
